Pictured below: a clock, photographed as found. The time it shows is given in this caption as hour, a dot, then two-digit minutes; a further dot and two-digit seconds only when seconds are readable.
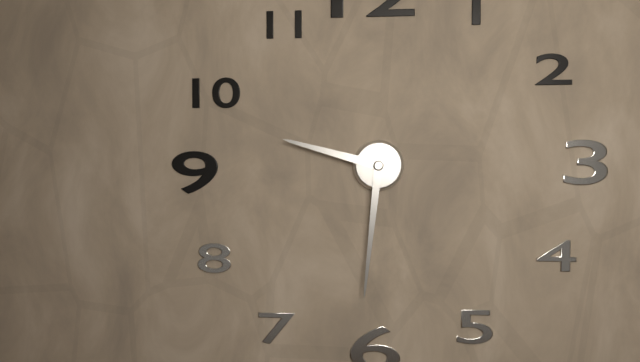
9.31
